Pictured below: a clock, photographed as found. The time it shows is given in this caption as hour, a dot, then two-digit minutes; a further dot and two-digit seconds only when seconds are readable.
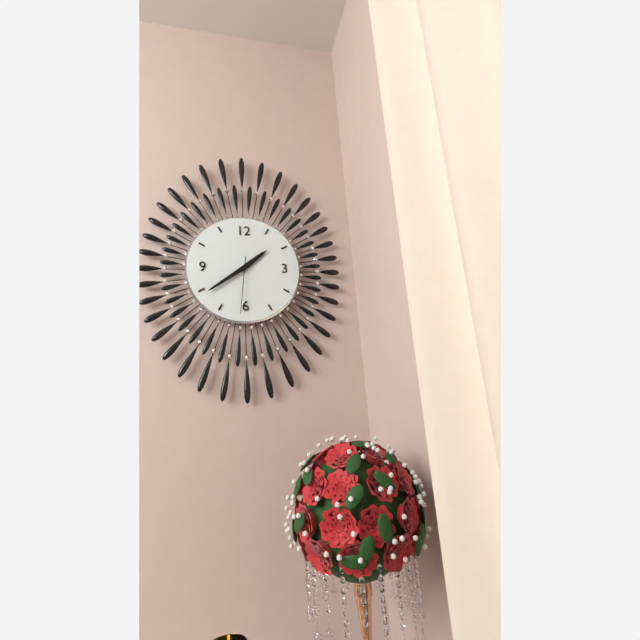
1.39.31
